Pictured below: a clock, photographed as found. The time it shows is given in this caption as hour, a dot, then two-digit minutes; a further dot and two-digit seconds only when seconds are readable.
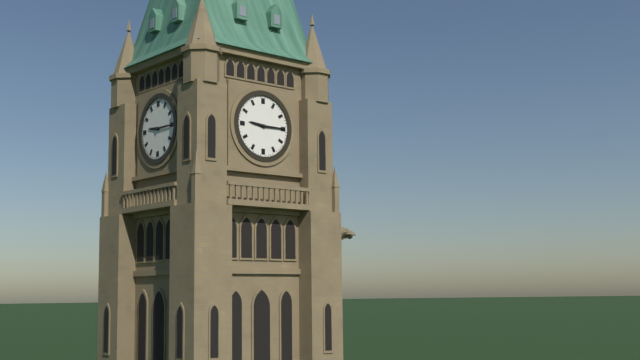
9.15
